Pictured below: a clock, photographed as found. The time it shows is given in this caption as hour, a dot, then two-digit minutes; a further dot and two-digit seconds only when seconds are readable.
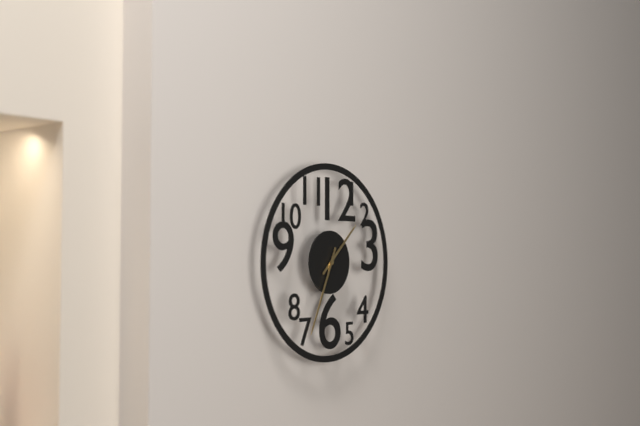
1.34
